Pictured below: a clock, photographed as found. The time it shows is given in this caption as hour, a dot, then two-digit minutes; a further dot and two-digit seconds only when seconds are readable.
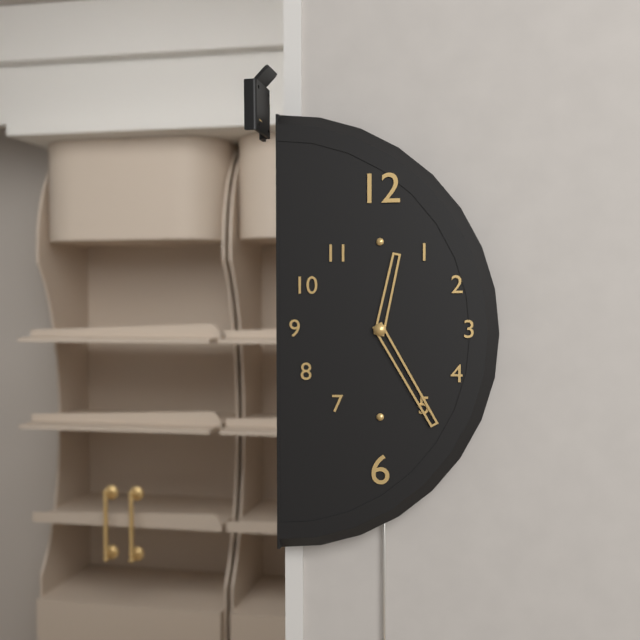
12.25
